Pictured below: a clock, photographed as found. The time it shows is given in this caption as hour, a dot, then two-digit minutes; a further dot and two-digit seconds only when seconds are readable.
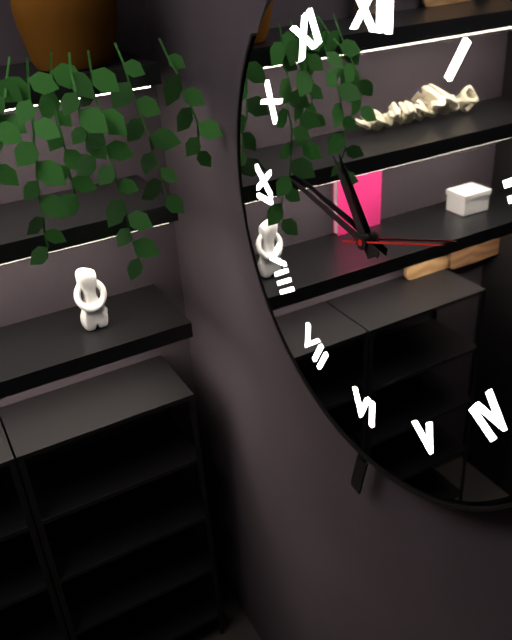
10.47.12
